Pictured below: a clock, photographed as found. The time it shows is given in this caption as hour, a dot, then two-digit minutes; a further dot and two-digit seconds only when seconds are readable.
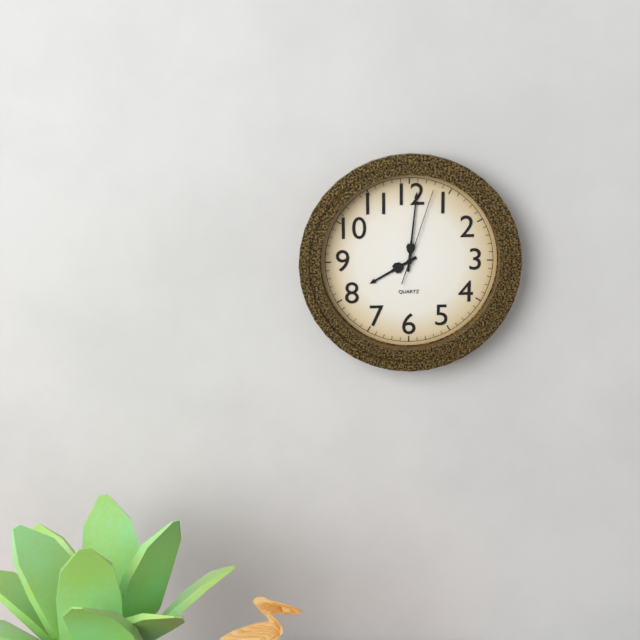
8.01.03
